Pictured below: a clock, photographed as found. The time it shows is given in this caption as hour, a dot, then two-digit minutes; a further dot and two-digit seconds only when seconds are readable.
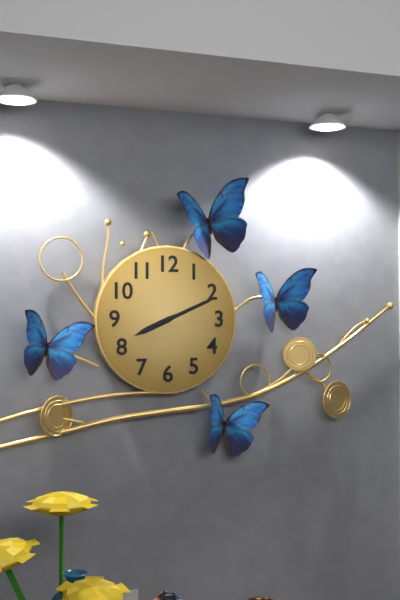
8.11
